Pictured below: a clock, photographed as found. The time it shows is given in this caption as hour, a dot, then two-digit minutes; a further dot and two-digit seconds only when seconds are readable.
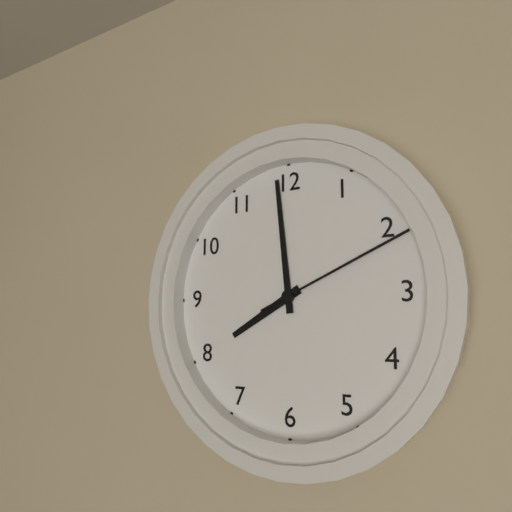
7.59.11
